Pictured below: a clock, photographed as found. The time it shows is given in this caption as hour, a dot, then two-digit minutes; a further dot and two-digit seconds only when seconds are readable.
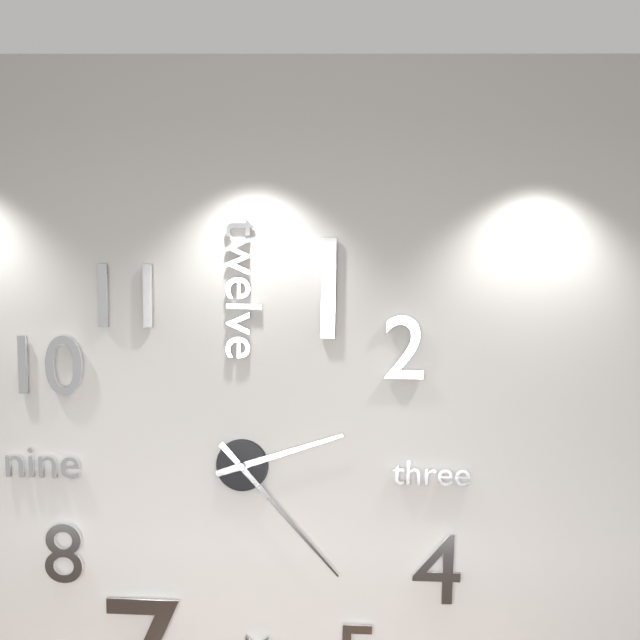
2.23
